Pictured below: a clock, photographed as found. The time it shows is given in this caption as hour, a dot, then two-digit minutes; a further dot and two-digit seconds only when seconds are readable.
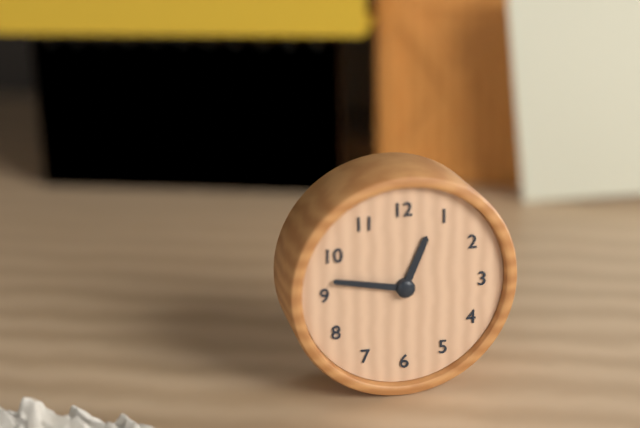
12.47
